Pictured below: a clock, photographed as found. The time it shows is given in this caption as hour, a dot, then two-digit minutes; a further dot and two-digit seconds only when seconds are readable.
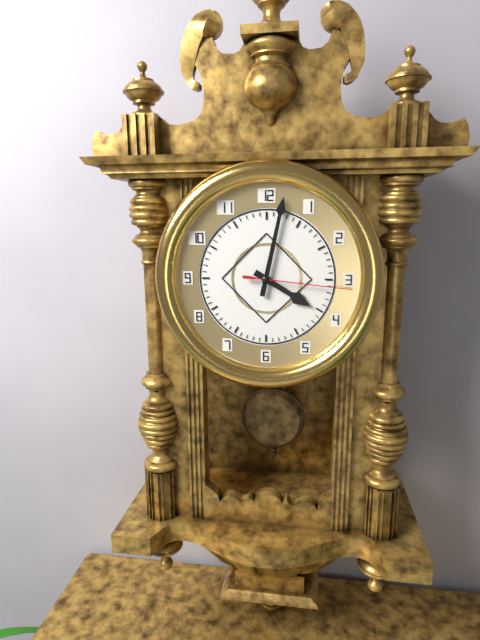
4.02.16
